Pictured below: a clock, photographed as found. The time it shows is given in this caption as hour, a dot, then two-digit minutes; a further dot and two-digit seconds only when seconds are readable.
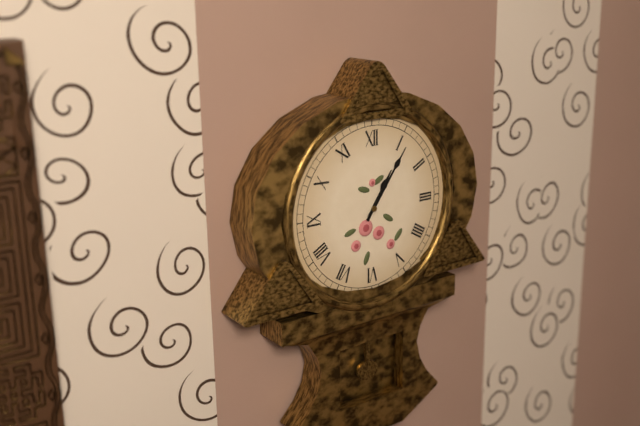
1.06
